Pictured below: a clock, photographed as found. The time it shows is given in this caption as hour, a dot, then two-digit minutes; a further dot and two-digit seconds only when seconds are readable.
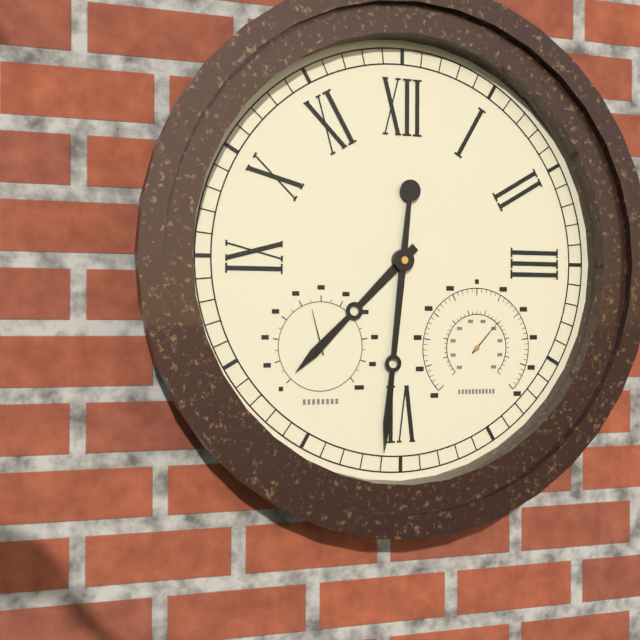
7.31
